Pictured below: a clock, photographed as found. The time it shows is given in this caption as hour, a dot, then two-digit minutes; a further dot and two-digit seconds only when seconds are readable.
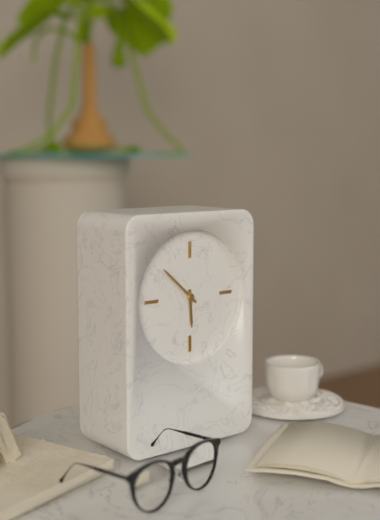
5.52
